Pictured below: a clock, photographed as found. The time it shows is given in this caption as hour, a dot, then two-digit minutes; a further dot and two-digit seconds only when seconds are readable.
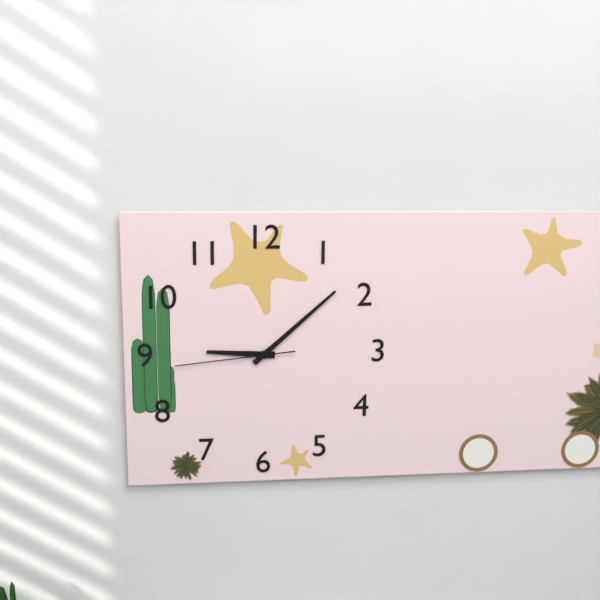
9.08.44
